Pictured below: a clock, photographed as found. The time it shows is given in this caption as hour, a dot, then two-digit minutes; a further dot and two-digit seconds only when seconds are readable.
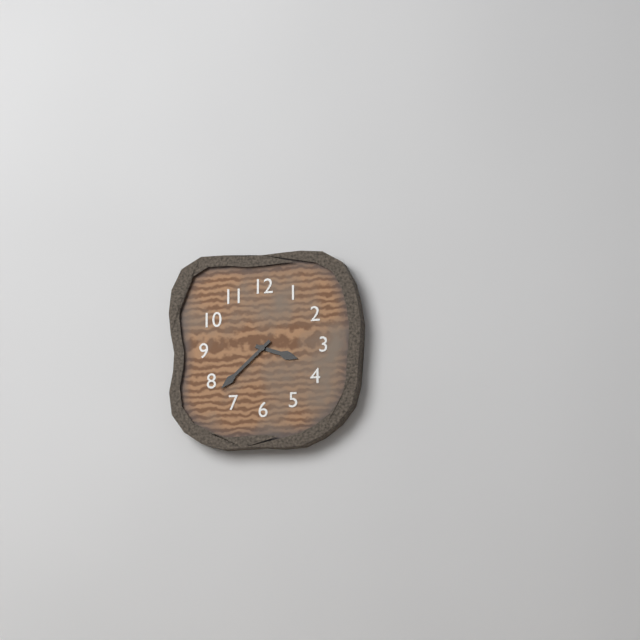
3.38
